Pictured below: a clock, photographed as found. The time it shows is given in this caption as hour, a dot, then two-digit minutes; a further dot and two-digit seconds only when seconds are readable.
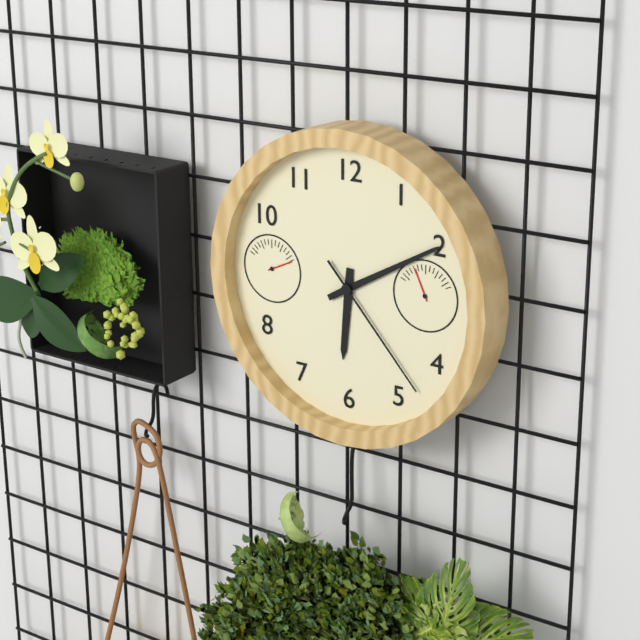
6.10.23
